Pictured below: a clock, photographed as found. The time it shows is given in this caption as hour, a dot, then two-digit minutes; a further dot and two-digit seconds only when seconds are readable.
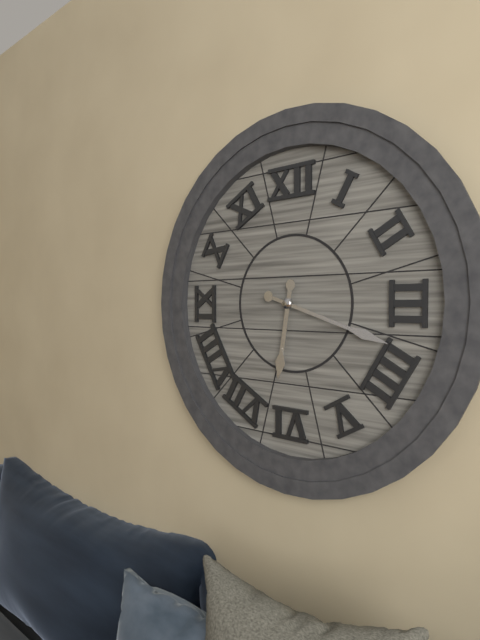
6.18
